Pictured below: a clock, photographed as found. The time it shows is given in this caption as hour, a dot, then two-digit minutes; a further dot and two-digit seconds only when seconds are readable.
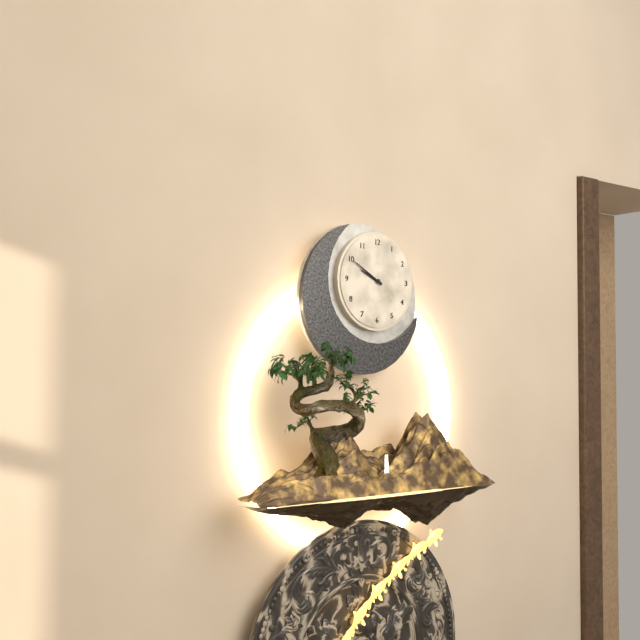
9.50
